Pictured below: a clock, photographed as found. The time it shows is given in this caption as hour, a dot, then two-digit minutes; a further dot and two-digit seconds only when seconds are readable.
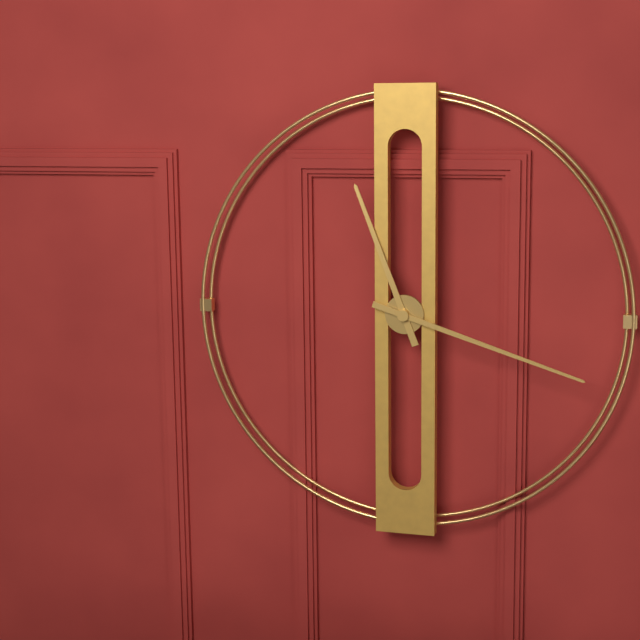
11.18
